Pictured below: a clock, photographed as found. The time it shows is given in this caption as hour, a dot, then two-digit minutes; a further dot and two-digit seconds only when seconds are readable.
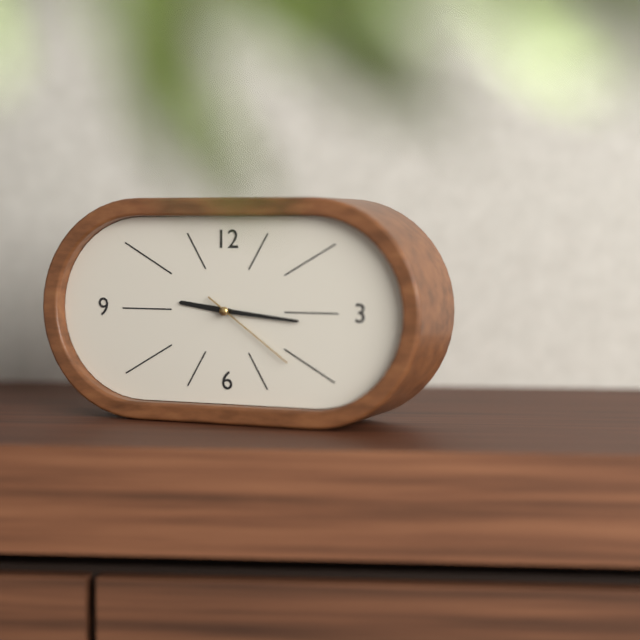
9.16.21
